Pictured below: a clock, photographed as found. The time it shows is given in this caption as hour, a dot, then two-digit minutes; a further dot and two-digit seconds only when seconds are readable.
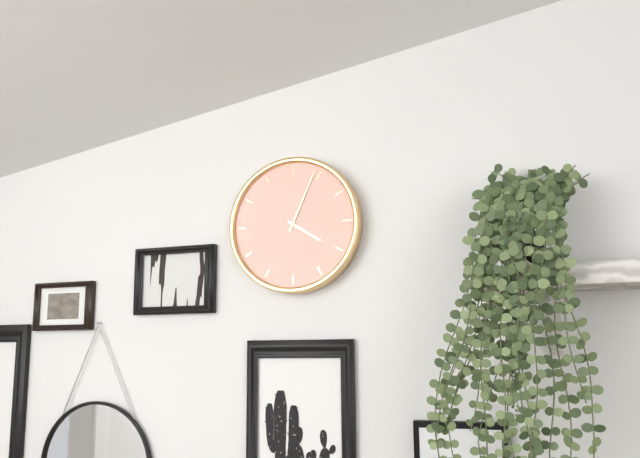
4.04
